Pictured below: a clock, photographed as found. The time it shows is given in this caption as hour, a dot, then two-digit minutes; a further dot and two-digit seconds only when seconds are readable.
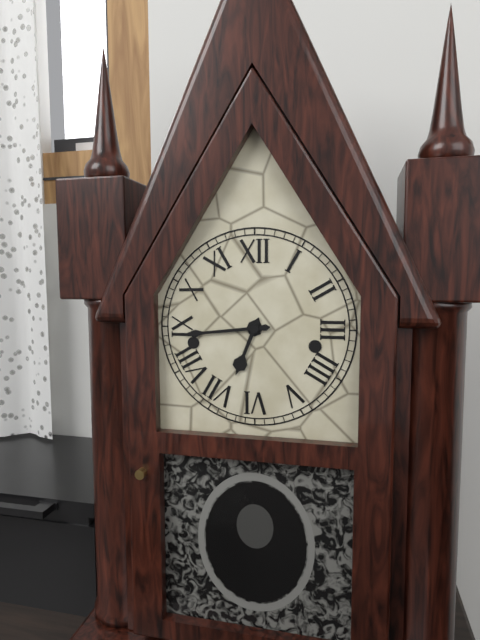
6.44
